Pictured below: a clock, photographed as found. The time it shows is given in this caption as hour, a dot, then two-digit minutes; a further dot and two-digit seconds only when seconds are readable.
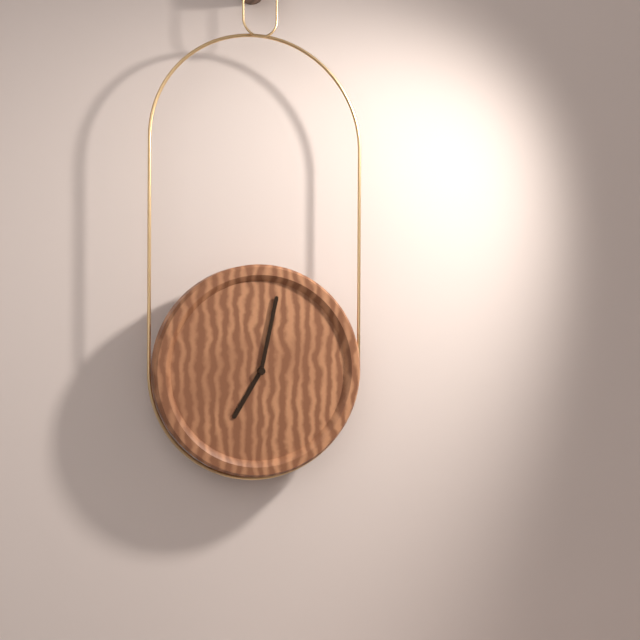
7.02
